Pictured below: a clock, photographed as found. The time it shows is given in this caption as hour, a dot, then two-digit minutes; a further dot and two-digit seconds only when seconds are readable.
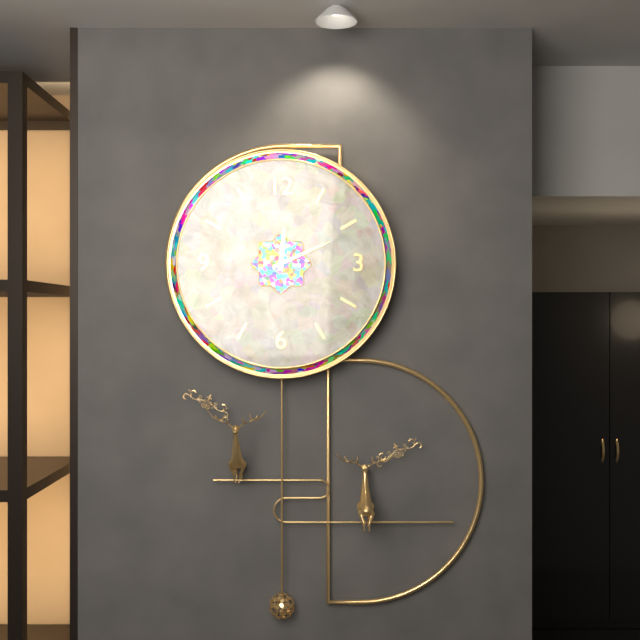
12.11
